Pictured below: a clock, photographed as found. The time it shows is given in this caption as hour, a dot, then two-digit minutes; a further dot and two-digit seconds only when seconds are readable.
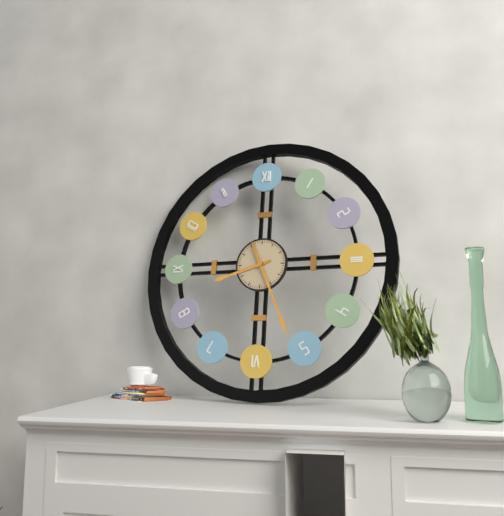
8.26
